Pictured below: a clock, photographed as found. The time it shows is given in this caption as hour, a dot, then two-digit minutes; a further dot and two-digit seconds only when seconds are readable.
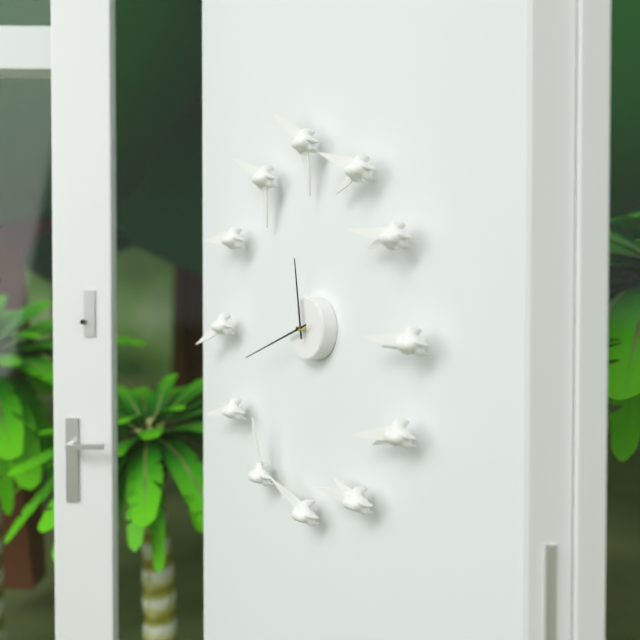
11.42
